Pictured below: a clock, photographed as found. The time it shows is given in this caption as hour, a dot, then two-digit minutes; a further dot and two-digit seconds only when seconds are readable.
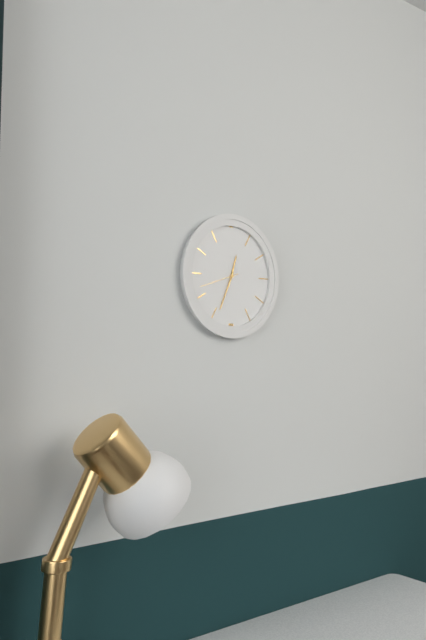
12.34
